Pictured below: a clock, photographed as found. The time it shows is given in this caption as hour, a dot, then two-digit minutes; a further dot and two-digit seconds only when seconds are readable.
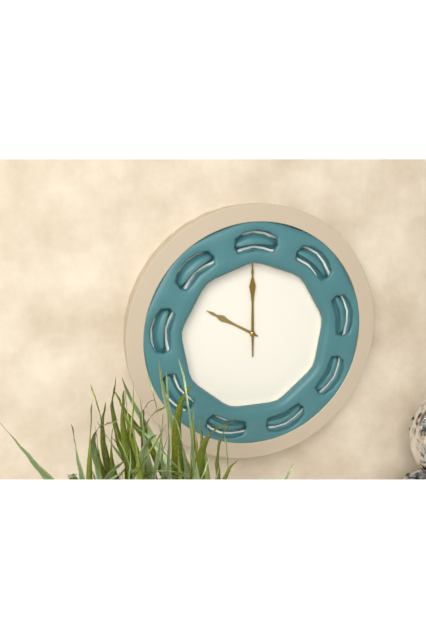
10.00
